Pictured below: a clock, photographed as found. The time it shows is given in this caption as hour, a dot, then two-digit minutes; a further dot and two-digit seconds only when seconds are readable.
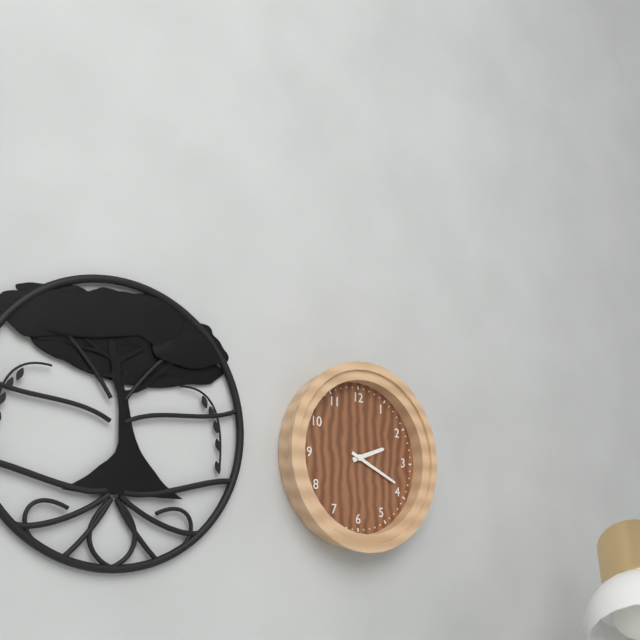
2.19
